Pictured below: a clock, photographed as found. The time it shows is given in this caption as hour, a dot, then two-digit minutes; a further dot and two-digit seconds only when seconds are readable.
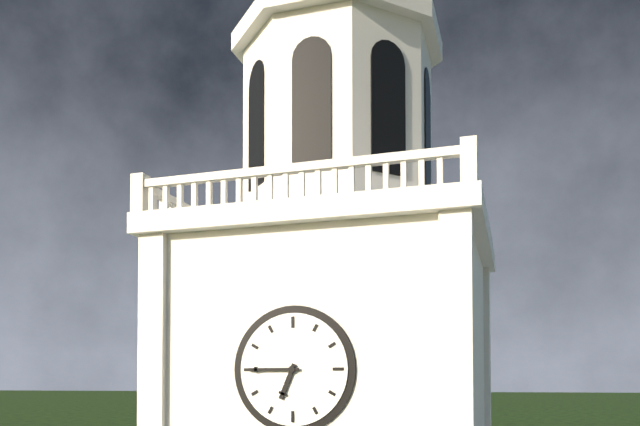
6.45
